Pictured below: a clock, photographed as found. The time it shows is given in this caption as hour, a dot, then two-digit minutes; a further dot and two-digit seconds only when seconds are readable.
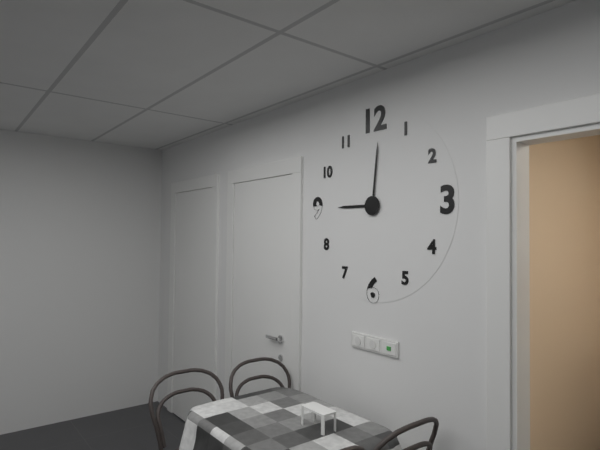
9.01
